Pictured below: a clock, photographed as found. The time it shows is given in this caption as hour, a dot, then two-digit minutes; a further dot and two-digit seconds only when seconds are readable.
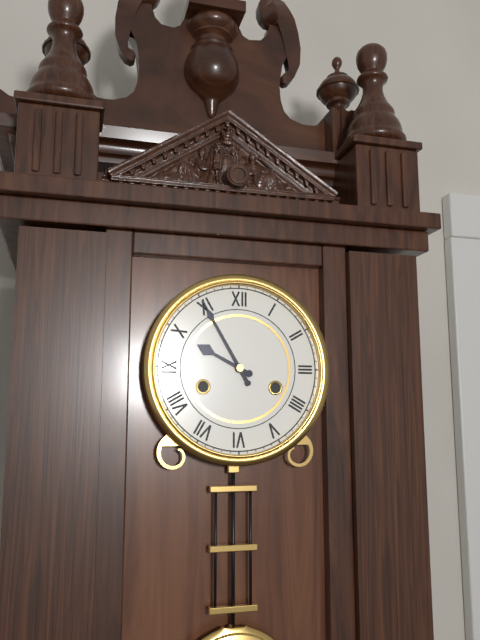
9.55
